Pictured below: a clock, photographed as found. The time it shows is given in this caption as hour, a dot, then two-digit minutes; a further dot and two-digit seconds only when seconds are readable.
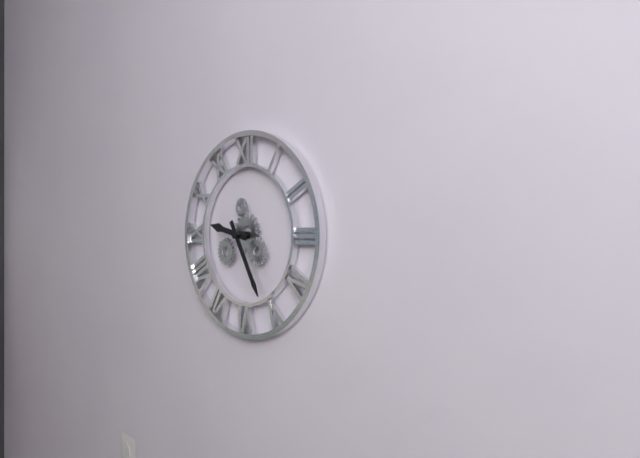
9.25
